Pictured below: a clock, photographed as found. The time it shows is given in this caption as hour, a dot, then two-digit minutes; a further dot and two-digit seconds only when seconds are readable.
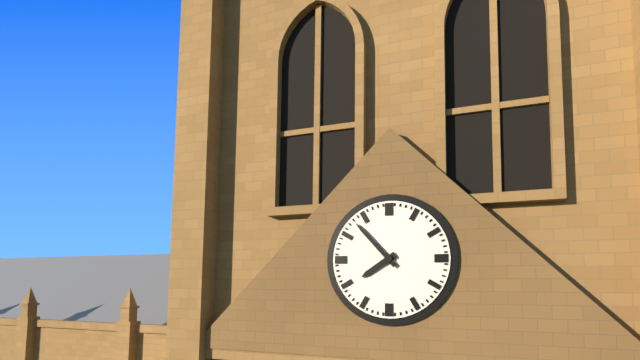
7.53
